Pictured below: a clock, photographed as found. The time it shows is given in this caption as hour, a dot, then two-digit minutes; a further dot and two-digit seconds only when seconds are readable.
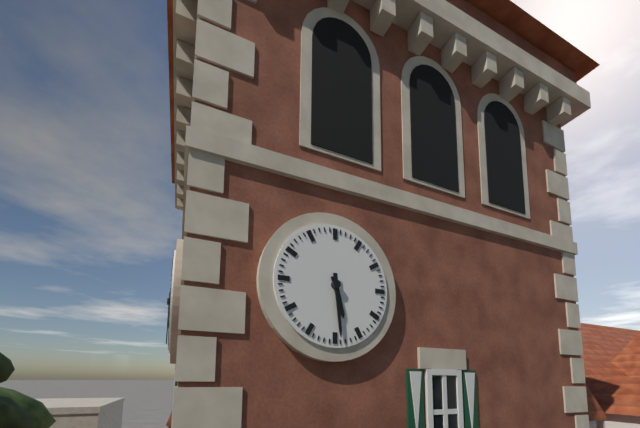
5.29
